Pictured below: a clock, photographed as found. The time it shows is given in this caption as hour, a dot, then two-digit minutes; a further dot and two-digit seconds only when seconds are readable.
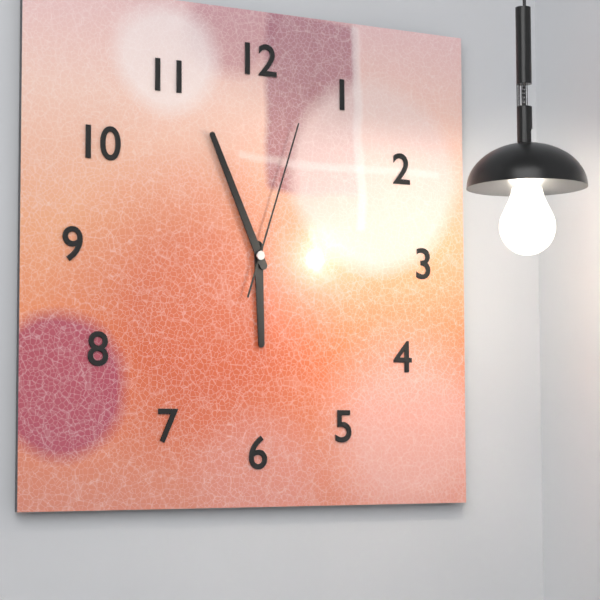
5.56.03
